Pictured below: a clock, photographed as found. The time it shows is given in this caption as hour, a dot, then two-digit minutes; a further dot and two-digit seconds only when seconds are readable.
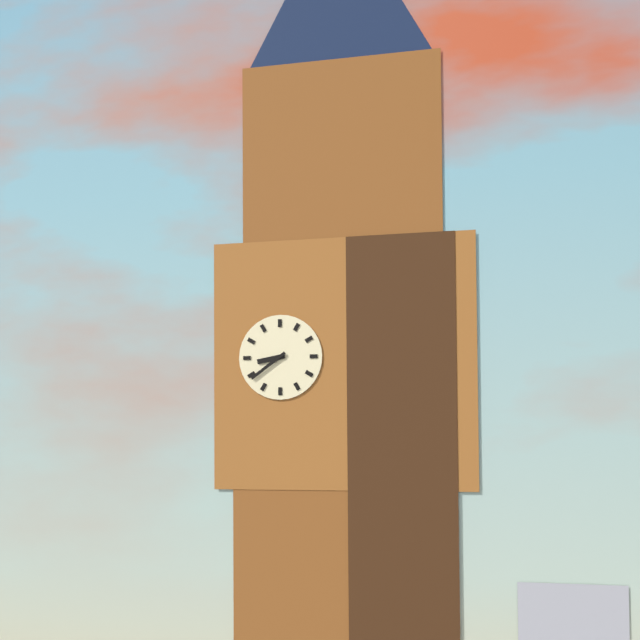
8.39
